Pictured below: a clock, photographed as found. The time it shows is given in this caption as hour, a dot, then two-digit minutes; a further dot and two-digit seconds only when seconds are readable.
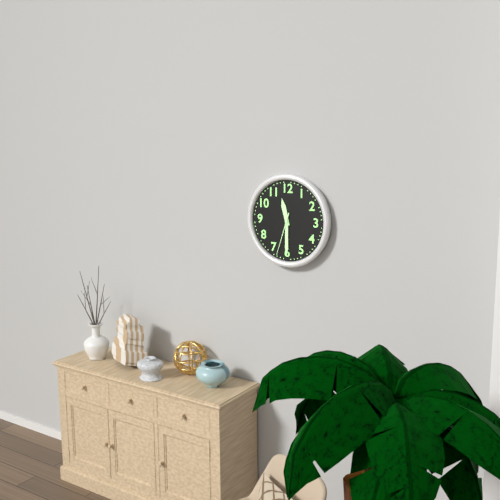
11.30
